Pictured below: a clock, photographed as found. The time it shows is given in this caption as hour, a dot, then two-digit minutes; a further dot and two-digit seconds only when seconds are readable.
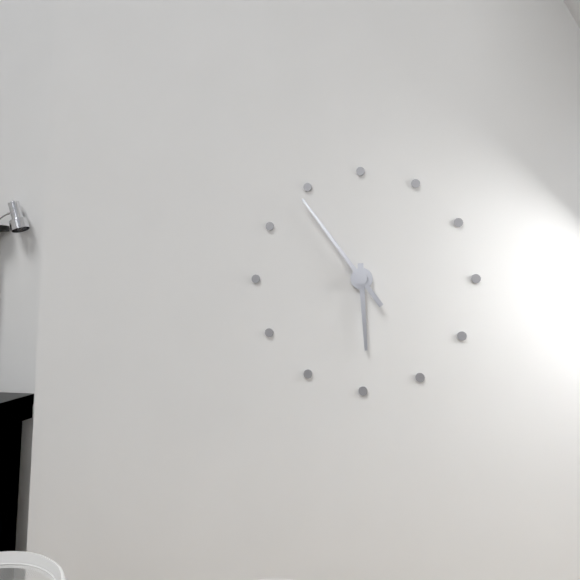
5.54
